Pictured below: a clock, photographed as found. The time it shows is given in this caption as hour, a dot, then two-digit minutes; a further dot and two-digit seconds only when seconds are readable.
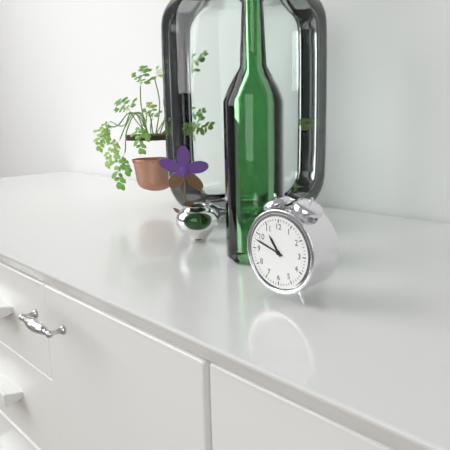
10.48
